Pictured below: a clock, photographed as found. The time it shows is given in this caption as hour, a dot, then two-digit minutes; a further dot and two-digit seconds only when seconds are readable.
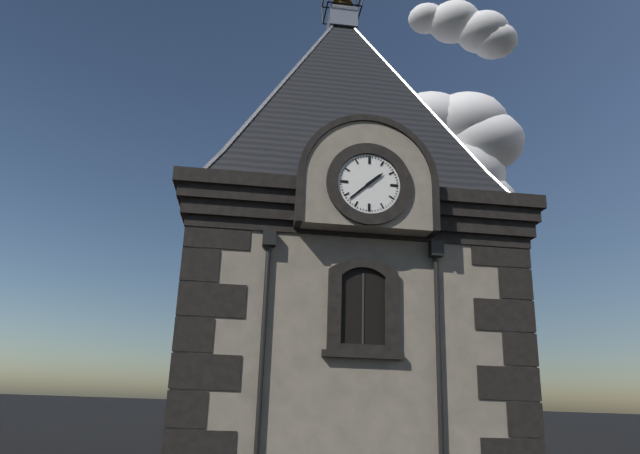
1.38
